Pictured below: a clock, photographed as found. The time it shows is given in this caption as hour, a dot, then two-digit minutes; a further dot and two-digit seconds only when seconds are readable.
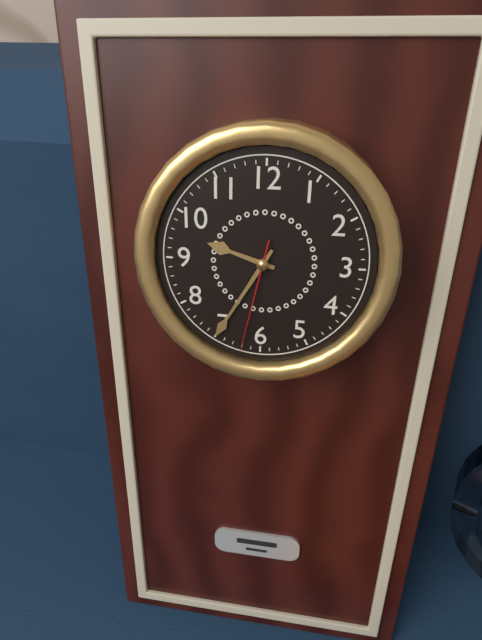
9.35.32
